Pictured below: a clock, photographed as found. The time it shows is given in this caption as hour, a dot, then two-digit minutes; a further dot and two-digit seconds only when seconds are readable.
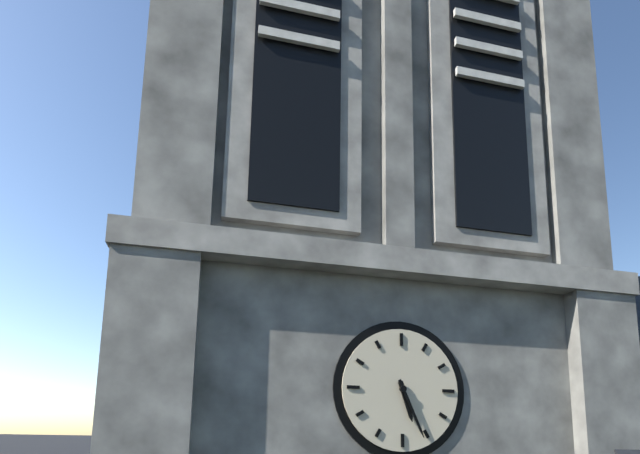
5.26
